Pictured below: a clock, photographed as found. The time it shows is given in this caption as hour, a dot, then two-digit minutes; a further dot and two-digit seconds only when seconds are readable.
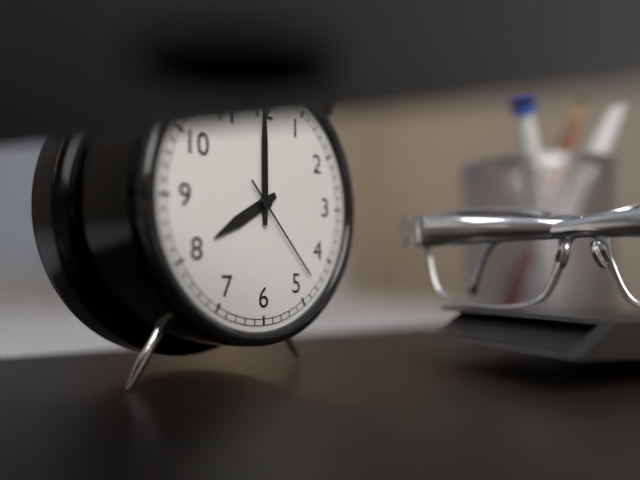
8.00.23
